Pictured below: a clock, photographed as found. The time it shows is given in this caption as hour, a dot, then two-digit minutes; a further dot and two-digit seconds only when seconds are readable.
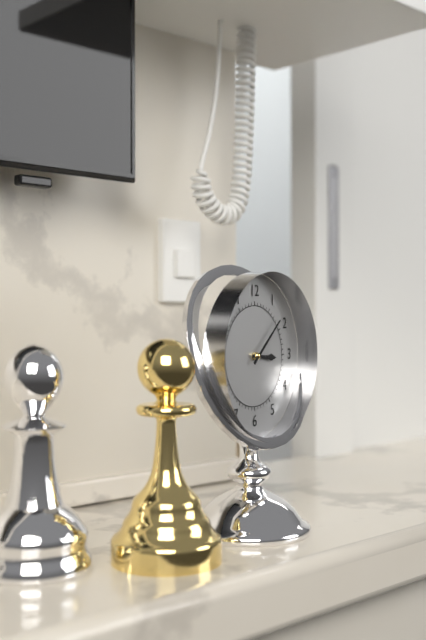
3.08
